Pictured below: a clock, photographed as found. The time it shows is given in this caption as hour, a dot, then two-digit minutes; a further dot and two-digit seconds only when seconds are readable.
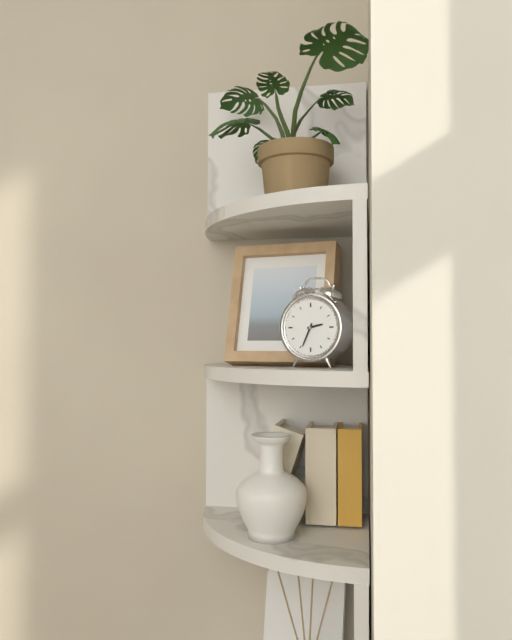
2.34
